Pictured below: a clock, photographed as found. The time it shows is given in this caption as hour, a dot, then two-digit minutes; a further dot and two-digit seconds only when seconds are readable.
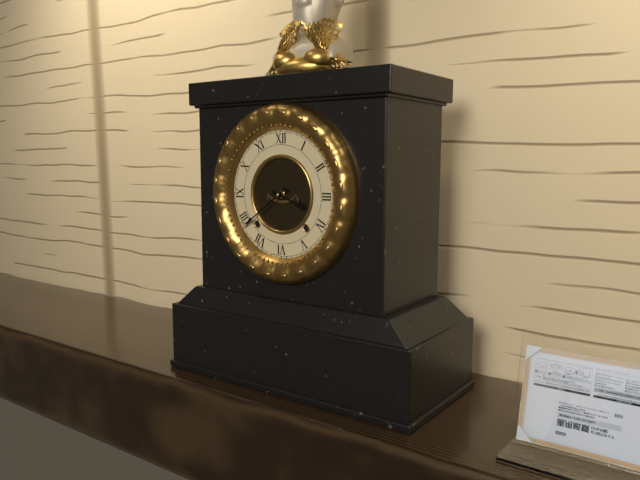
3.39
